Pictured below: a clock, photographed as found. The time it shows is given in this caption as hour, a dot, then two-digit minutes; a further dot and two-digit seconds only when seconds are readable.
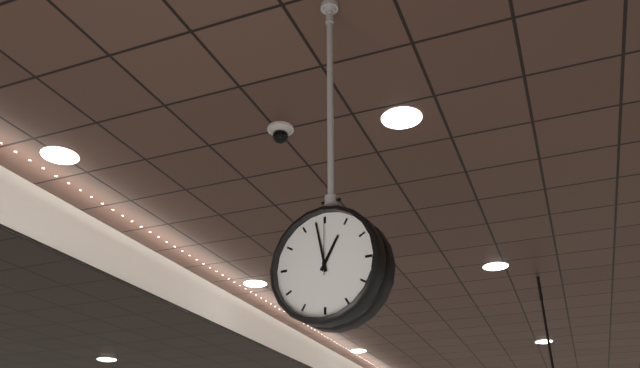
12.58.00
